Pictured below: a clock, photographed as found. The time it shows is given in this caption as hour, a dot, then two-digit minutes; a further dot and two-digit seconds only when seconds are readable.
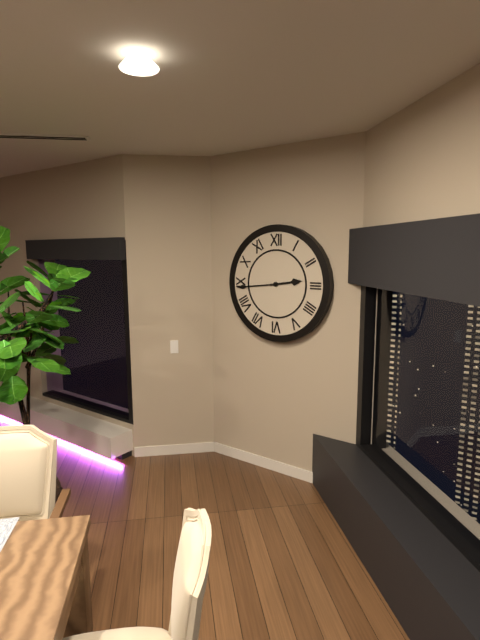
2.44
